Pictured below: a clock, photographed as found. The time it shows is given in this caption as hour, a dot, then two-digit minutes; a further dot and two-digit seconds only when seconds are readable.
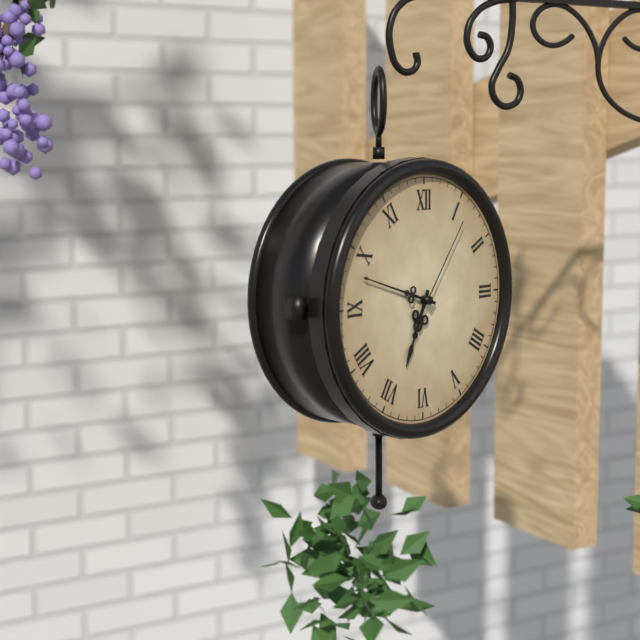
6.48.06
